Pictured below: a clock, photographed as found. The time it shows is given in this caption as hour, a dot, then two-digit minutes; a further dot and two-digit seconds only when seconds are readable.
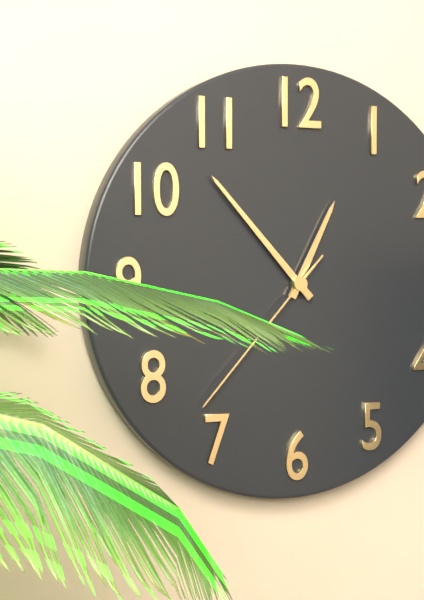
12.53.37
